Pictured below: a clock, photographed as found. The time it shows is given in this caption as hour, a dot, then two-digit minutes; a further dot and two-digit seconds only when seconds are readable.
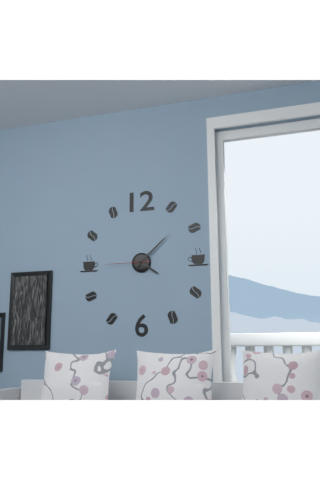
4.08
